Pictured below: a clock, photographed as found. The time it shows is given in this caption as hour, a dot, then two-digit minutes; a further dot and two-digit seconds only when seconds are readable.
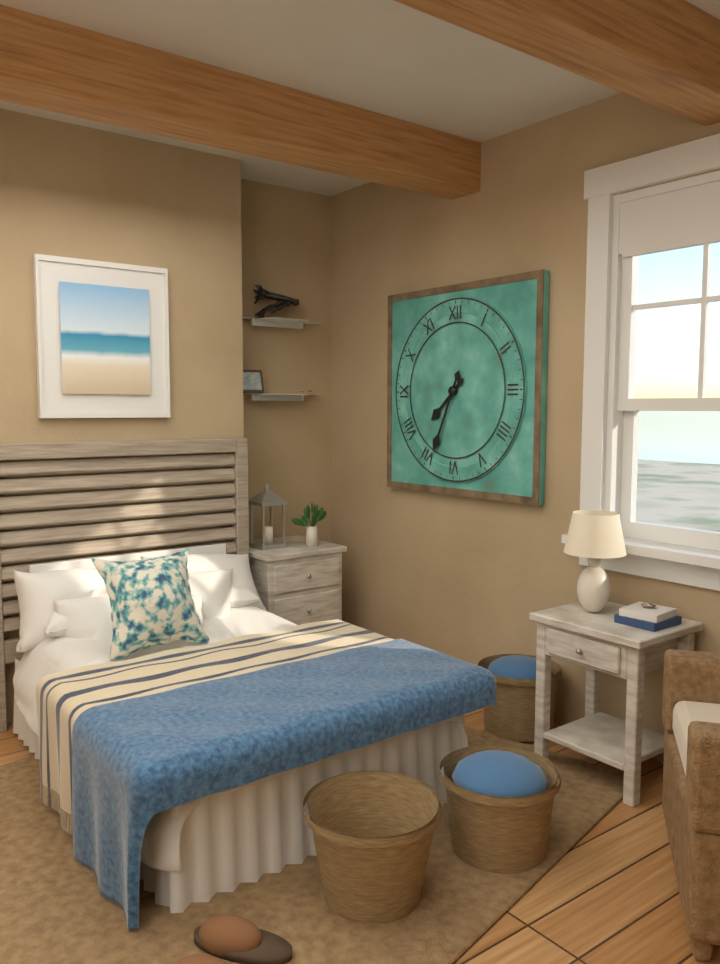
7.34
